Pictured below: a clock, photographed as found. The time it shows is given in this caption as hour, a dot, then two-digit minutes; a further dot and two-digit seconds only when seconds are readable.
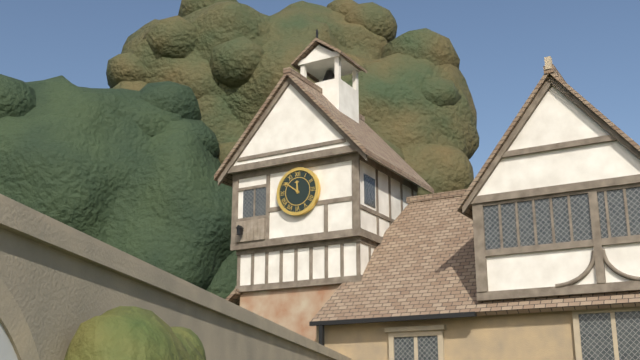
11.51
